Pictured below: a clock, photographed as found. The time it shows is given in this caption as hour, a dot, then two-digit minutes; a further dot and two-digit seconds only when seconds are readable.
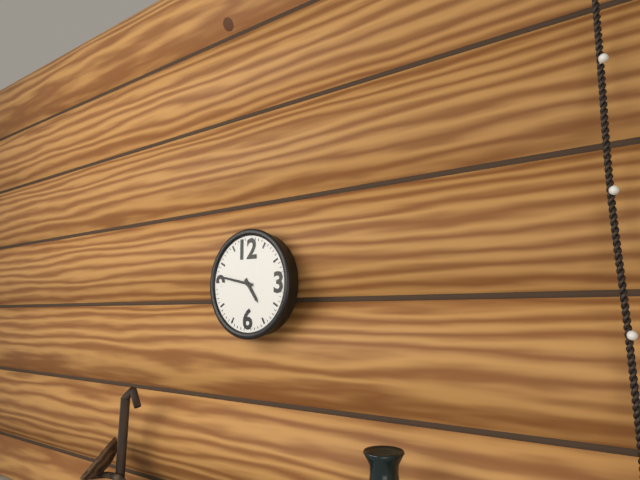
4.47
